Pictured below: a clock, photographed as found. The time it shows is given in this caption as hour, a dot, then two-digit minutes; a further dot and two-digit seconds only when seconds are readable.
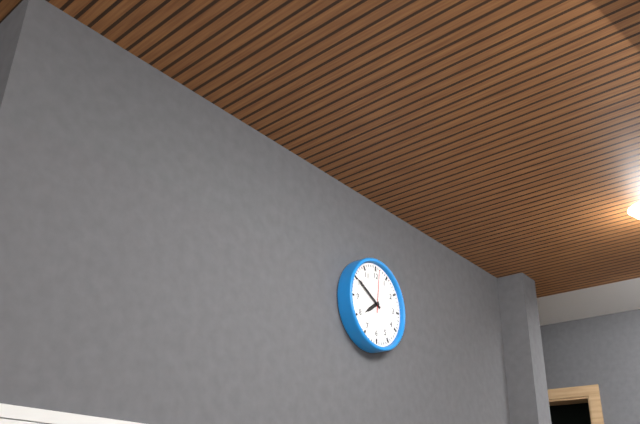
7.50
